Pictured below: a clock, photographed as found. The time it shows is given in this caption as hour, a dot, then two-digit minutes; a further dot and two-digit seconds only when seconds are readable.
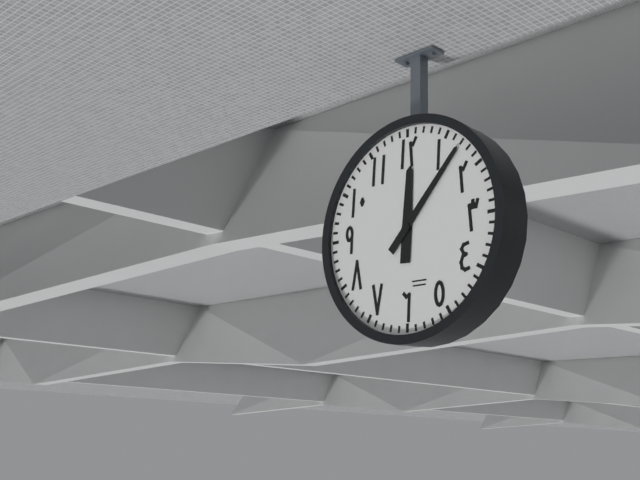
12.07
